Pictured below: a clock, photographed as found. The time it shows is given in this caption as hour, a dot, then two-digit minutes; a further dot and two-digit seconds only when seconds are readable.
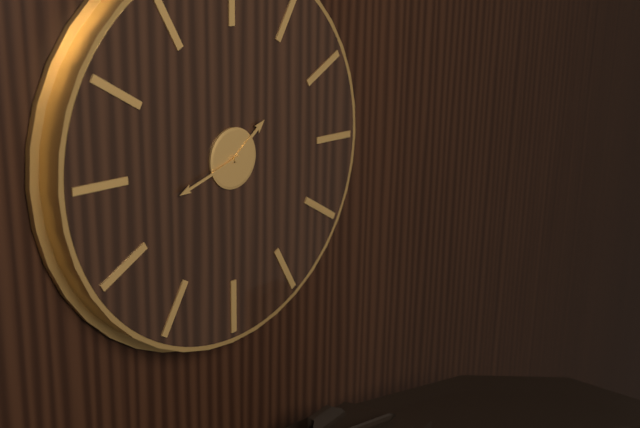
1.42
